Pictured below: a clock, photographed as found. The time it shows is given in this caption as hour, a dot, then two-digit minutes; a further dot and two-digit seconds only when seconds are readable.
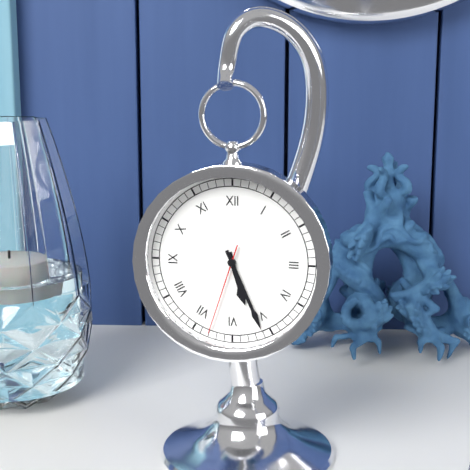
5.26.33
